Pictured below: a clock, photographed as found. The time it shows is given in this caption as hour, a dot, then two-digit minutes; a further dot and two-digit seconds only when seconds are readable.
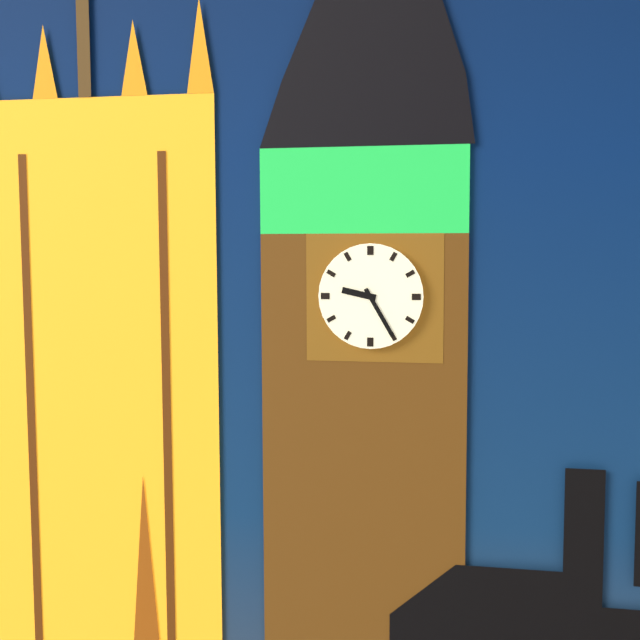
9.25
